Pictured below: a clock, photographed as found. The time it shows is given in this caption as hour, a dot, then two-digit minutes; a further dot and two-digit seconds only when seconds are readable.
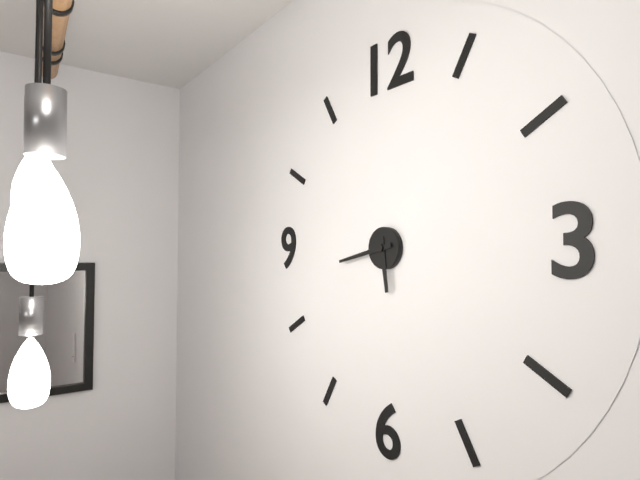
5.43
